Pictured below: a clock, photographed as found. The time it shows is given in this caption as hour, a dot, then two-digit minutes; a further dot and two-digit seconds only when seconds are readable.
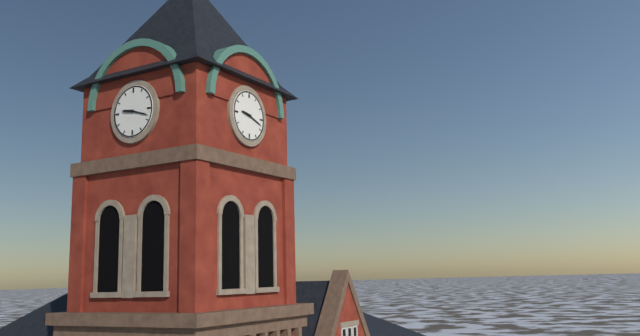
9.18
